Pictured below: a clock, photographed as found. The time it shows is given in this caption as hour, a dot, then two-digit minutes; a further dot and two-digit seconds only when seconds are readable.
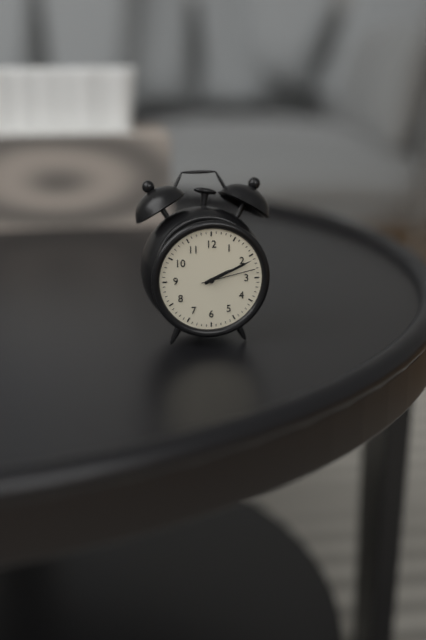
2.11.13
